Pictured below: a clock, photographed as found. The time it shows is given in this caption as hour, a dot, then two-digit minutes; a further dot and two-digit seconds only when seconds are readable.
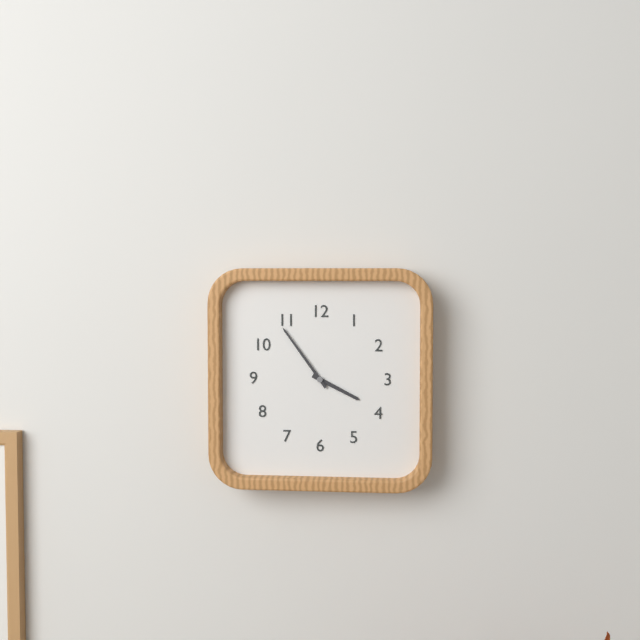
3.54
